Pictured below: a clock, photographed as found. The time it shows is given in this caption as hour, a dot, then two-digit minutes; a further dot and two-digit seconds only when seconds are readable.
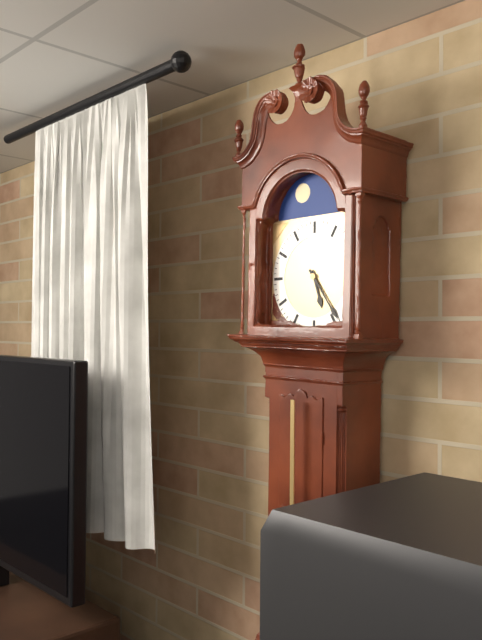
5.24
